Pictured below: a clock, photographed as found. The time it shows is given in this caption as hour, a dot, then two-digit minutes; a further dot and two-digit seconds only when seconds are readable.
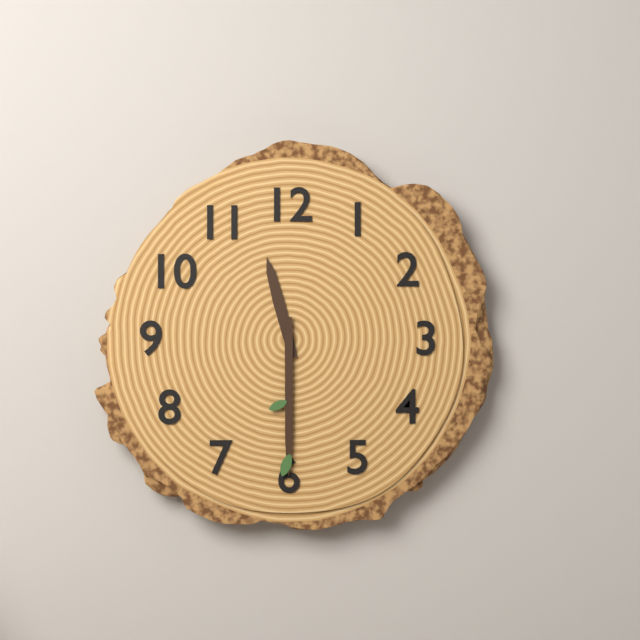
11.30
